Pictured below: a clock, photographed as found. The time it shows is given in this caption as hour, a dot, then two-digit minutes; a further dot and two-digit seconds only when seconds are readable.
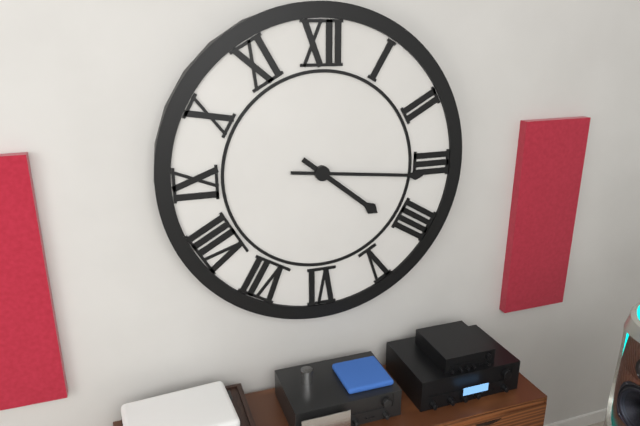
4.16
